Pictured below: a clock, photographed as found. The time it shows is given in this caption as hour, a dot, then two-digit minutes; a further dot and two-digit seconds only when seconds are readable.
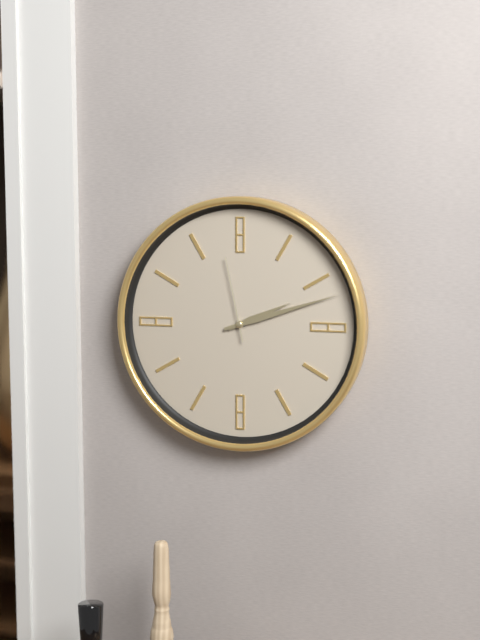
2.12.58
